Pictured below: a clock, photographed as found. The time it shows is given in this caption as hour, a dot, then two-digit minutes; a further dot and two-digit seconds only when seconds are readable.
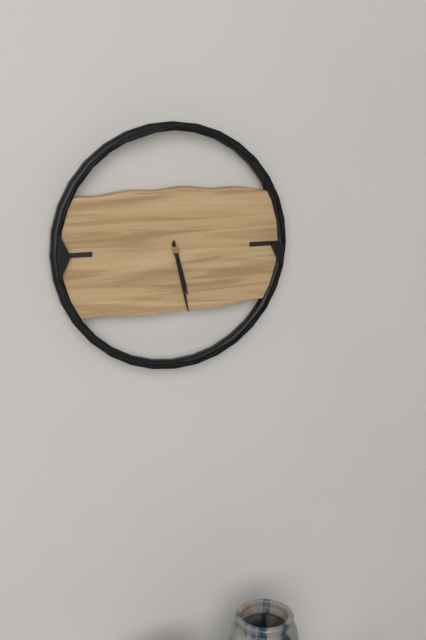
5.28
